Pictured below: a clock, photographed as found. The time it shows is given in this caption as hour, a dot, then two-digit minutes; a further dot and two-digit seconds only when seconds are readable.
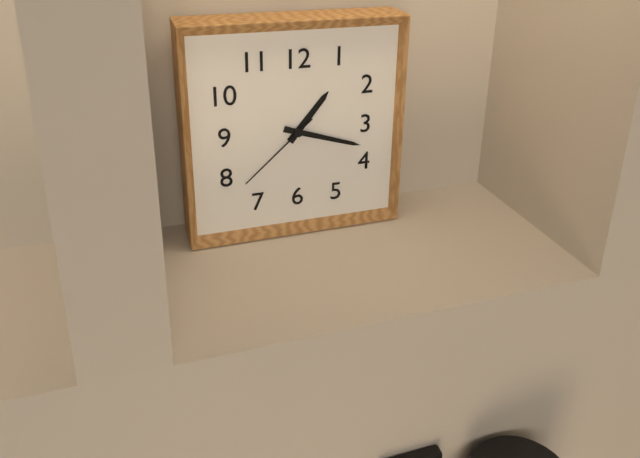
1.18.38
